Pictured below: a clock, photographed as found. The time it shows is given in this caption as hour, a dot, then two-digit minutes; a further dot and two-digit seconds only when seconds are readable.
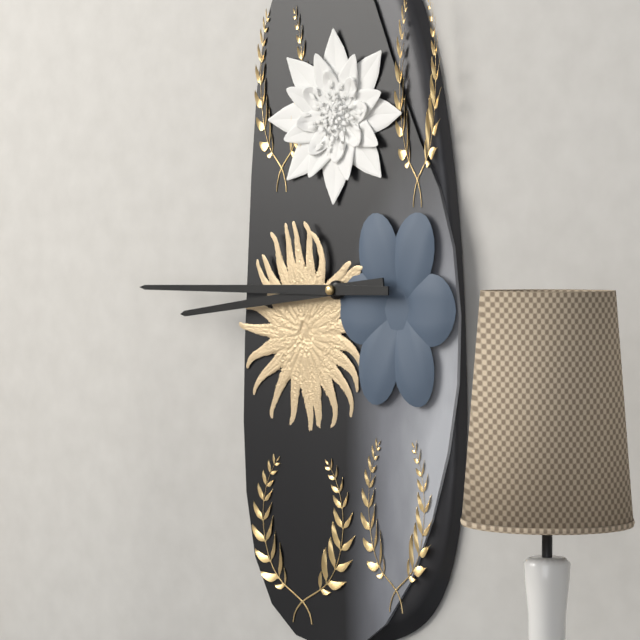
8.45
